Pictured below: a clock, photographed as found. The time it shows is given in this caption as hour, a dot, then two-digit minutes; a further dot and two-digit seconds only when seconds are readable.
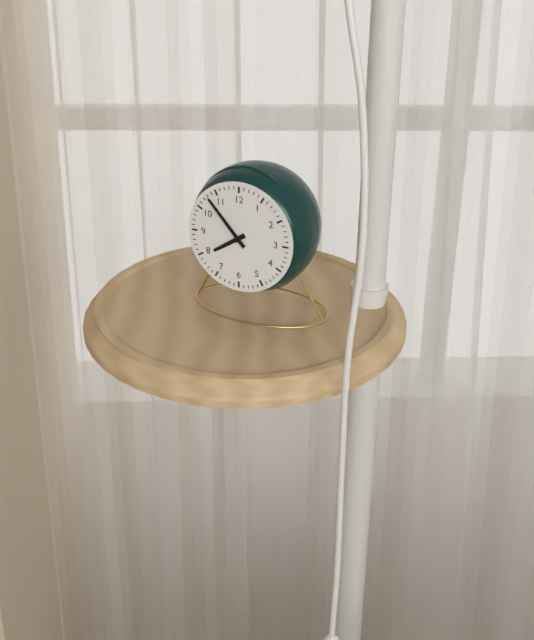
7.53
